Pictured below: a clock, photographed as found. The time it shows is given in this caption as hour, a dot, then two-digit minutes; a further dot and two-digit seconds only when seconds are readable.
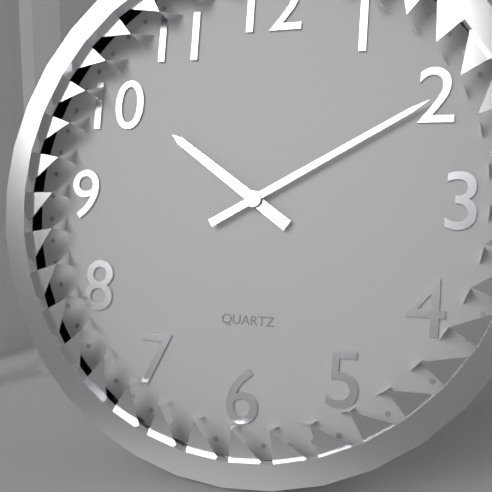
10.10
